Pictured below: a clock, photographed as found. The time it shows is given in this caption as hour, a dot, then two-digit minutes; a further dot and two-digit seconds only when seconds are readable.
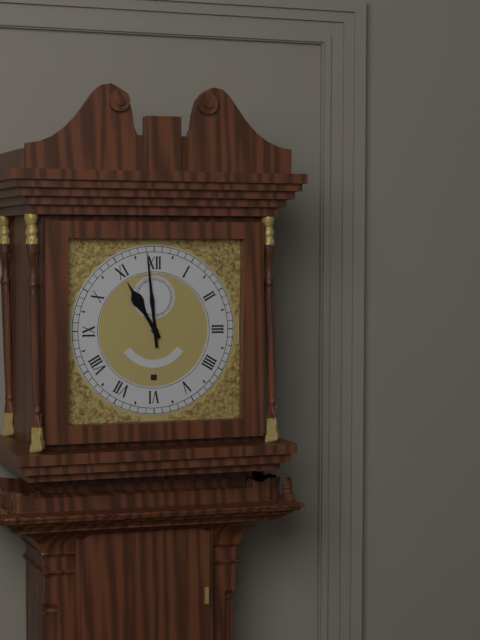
10.59
